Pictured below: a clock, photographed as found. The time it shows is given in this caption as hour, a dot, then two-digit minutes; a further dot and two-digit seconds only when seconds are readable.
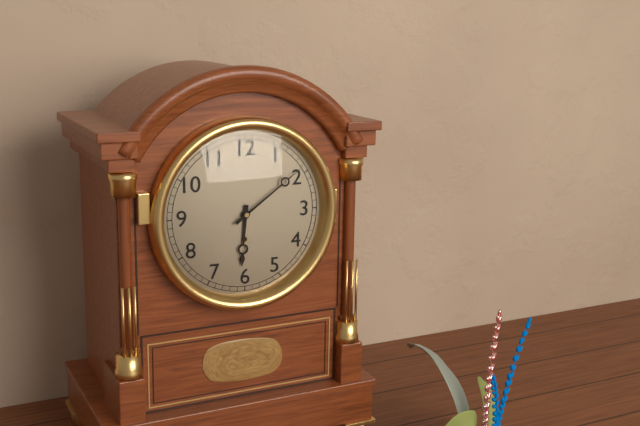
6.09
